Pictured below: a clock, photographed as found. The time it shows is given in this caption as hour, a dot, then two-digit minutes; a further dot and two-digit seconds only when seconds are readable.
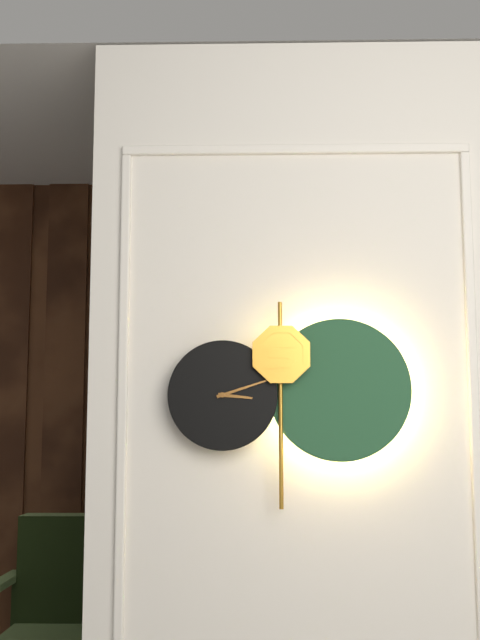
3.12
